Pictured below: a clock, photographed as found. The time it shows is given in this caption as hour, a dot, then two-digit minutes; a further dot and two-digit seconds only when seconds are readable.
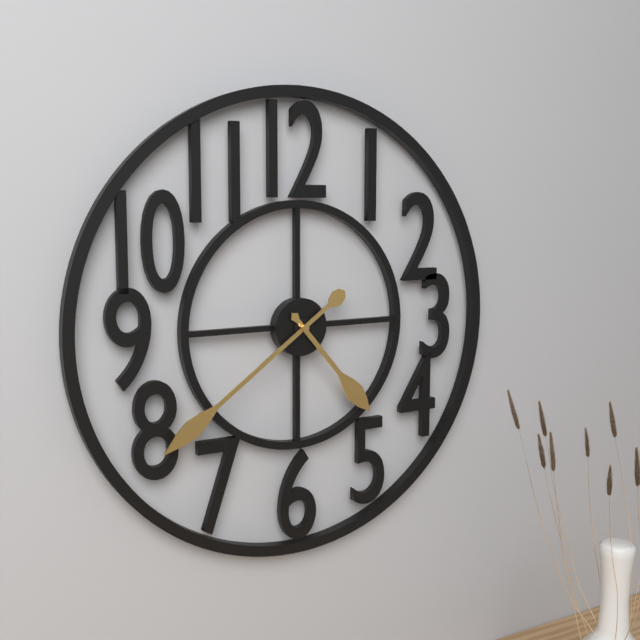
4.39
